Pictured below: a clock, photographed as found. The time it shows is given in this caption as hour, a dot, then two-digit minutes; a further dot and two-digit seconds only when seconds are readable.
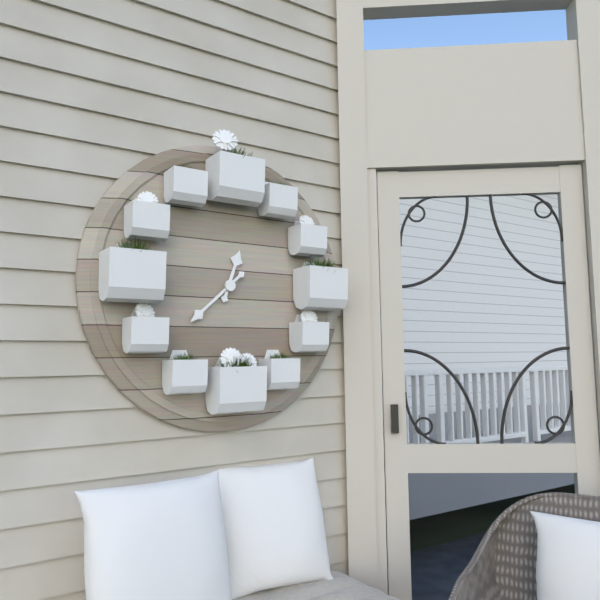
12.38
